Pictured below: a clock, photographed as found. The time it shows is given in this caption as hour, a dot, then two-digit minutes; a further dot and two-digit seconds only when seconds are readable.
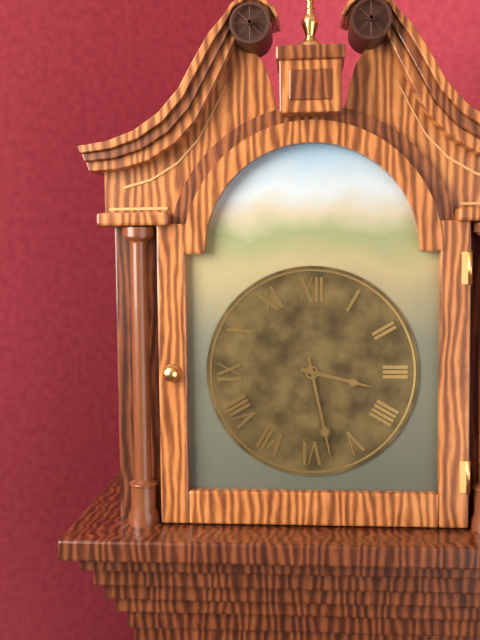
3.28
